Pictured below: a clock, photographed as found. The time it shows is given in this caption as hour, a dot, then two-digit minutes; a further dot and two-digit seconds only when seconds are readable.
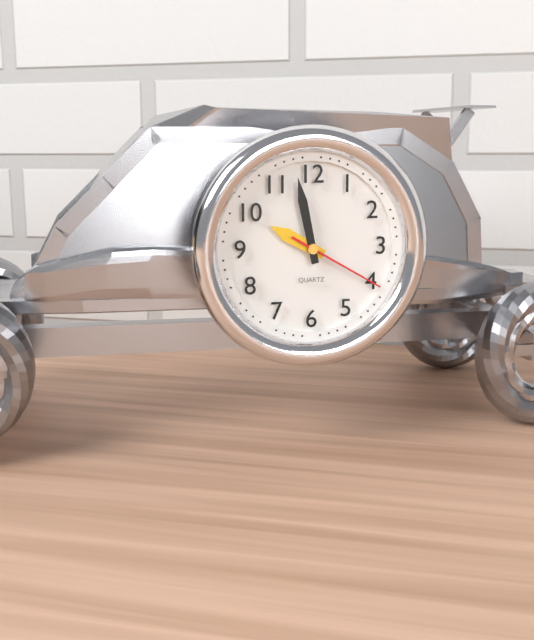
9.58.20
